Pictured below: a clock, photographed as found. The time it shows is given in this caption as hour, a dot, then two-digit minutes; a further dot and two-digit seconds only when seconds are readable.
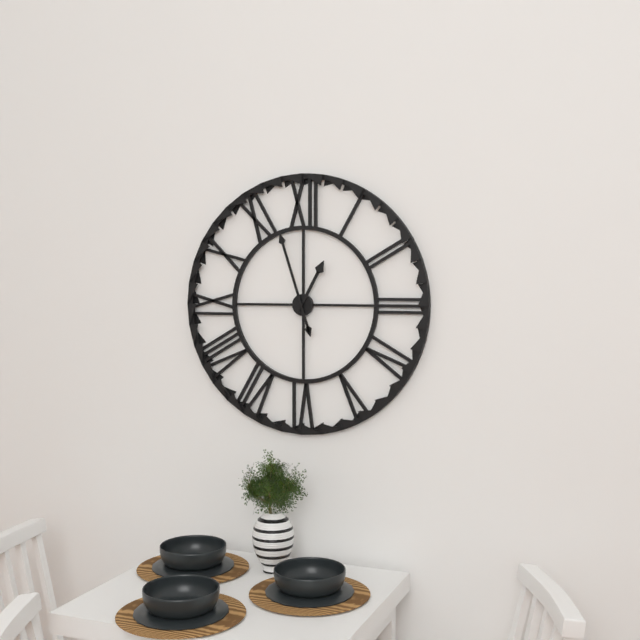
12.57
